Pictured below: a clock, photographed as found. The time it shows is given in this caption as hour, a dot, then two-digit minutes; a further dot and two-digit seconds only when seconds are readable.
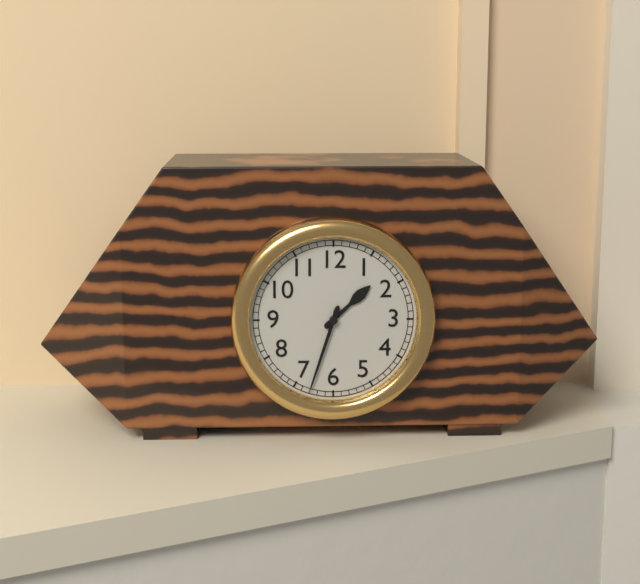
1.33
